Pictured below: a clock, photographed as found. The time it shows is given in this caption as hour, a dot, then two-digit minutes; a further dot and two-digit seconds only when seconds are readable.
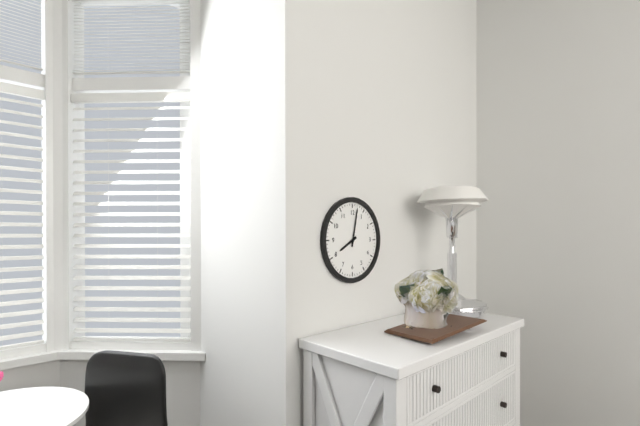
8.02
